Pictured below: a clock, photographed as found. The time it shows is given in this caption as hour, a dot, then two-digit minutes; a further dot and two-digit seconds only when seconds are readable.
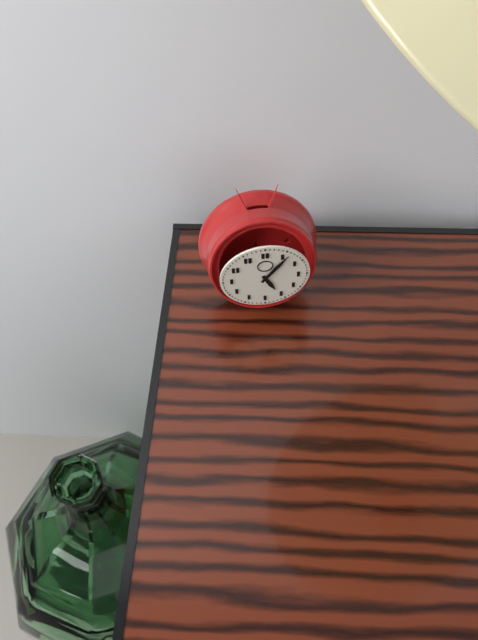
5.06
